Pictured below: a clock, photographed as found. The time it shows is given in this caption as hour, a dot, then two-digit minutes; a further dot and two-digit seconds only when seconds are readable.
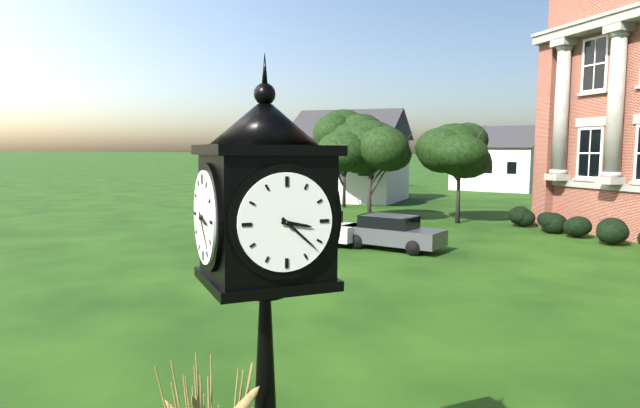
3.22
